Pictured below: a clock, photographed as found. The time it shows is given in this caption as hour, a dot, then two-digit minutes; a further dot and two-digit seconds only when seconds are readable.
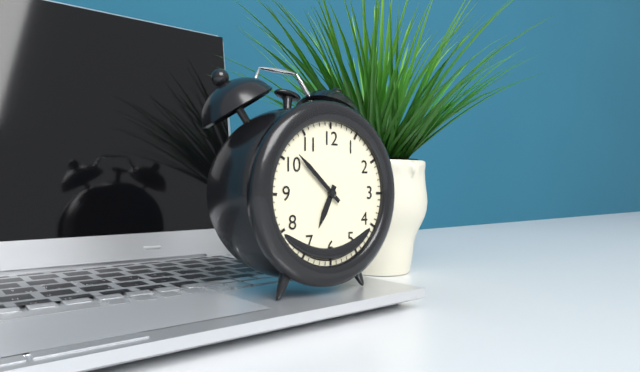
6.52
